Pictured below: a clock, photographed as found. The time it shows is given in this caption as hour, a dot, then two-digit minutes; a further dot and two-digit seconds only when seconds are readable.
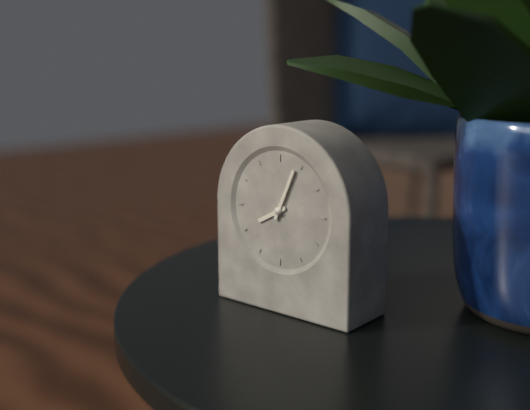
8.04
